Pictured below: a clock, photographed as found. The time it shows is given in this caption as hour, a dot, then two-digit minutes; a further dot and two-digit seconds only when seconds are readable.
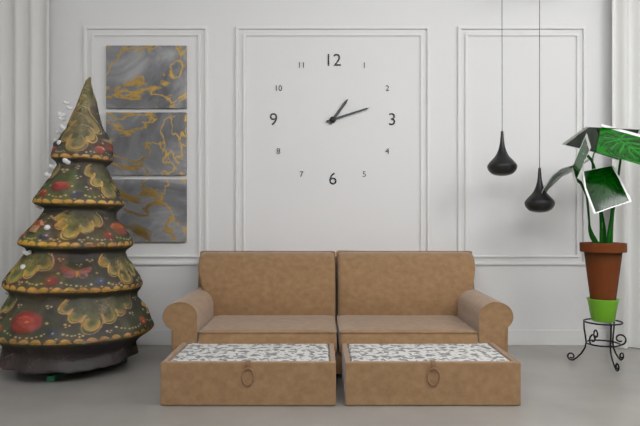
1.12
